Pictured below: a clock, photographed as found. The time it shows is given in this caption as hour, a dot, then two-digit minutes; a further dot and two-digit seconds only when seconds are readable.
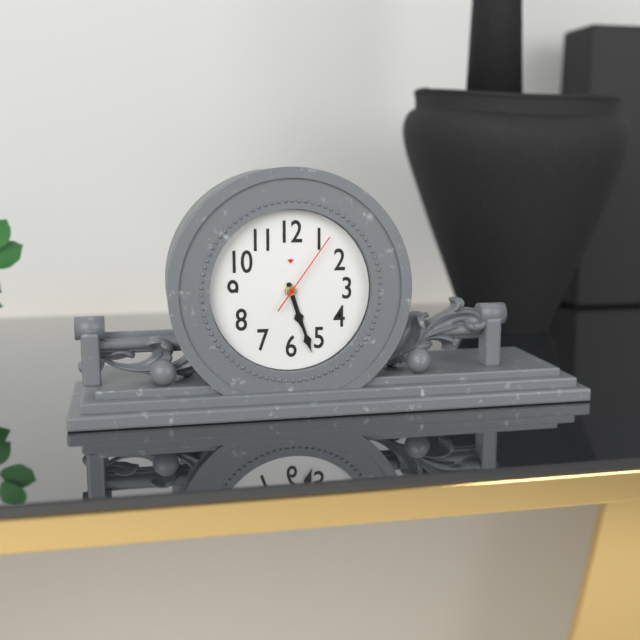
5.27.06
